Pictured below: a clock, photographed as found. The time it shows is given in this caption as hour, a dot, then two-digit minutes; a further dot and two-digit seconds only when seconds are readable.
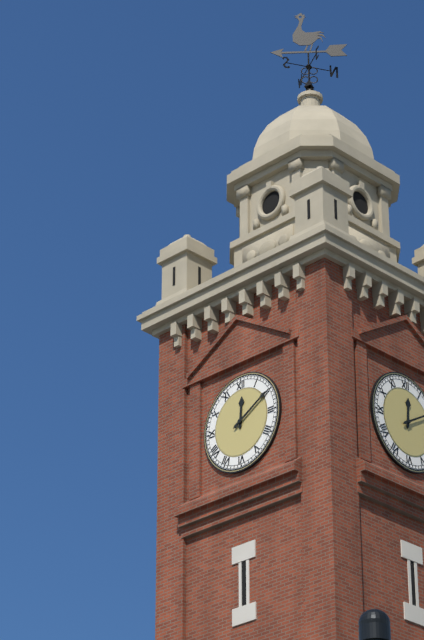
12.10
